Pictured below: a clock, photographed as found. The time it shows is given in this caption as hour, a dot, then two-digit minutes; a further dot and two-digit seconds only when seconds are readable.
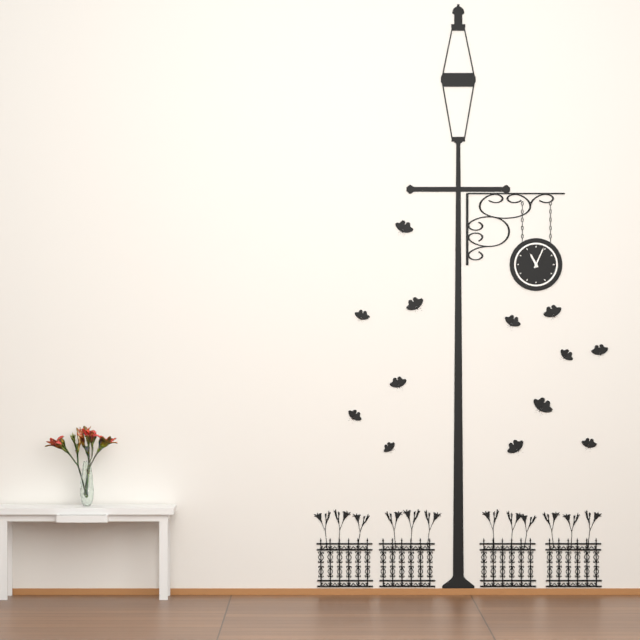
11.04
